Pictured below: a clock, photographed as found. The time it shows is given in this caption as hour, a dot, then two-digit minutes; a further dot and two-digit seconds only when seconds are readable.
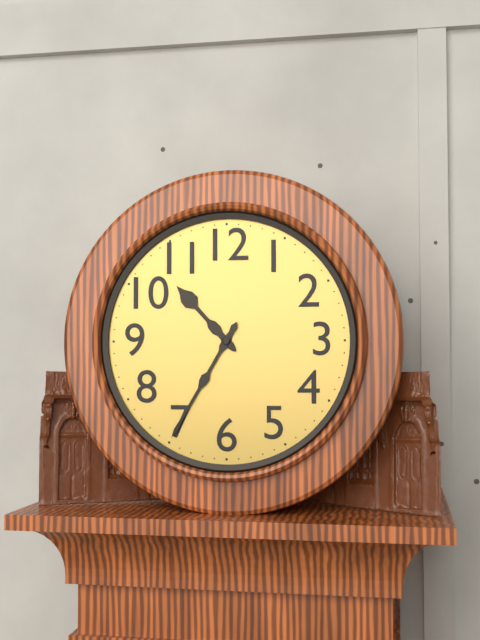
10.35
